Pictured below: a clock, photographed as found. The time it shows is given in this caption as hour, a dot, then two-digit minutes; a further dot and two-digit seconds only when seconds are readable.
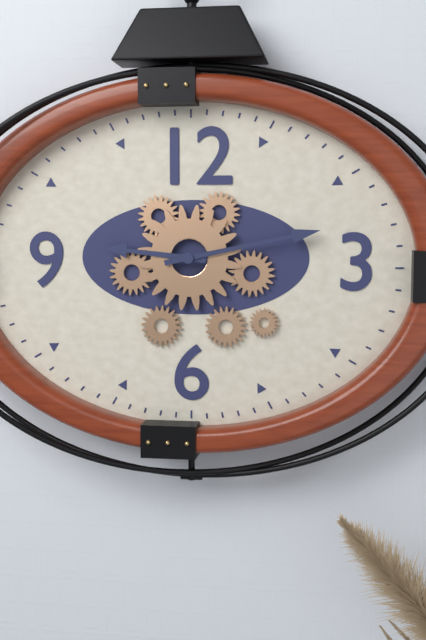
9.13
